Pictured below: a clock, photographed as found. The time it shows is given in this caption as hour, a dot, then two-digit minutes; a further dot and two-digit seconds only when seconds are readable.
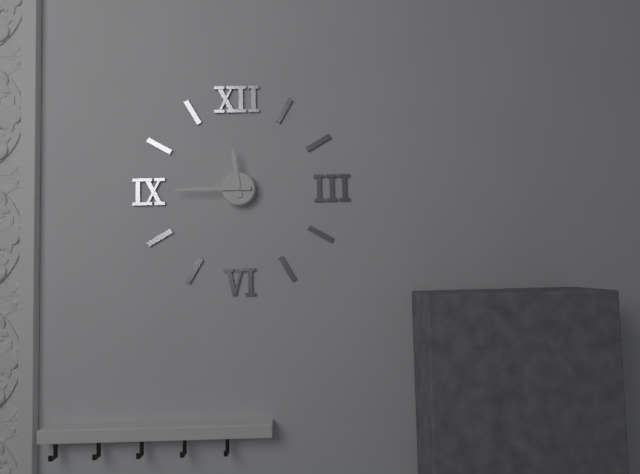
11.45
